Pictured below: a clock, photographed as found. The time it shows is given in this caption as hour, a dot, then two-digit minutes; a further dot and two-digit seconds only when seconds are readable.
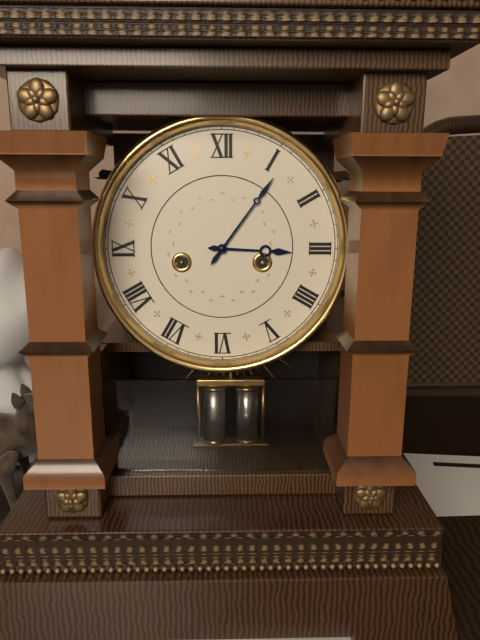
3.06
